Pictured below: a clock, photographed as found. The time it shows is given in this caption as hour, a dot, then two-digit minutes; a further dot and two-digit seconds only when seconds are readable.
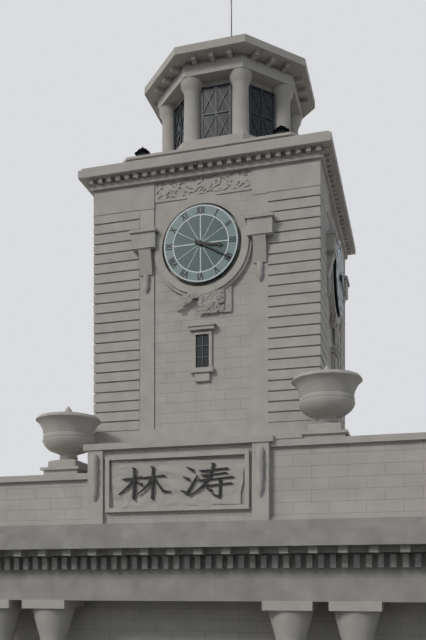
3.20
